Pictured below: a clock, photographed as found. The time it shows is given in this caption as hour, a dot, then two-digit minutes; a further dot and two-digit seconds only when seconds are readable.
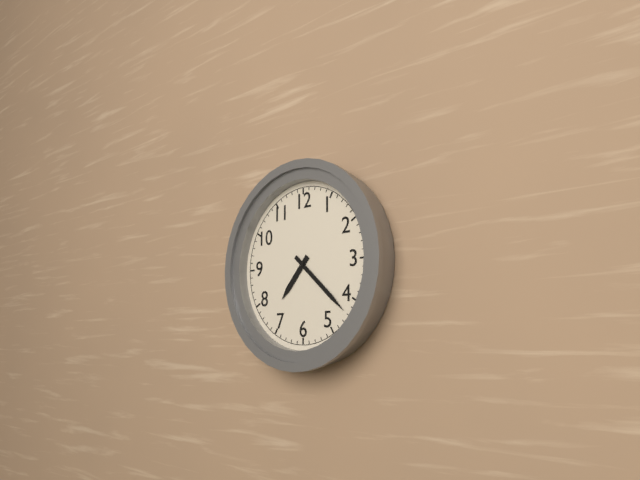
7.22
